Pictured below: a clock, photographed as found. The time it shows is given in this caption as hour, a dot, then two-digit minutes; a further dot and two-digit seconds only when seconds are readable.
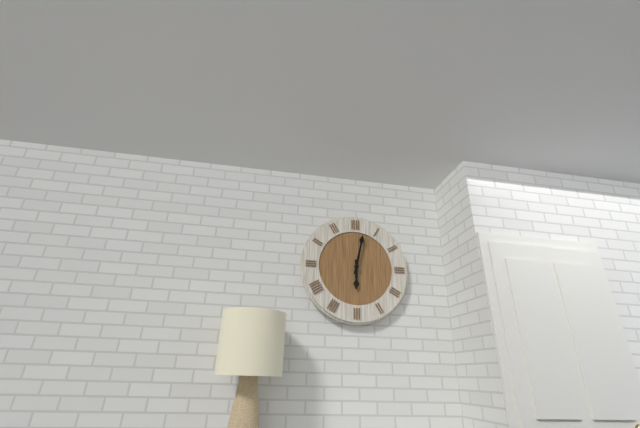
6.02
